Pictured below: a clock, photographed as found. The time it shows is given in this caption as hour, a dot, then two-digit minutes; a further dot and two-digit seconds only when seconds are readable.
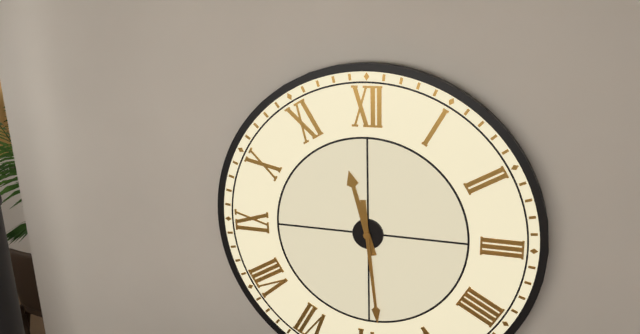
11.29
